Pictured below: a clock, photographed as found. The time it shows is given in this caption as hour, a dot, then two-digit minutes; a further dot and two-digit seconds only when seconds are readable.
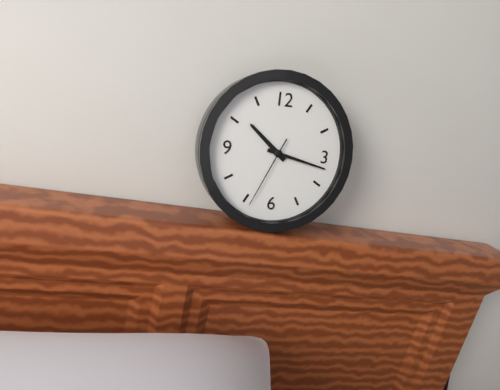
10.17.34
